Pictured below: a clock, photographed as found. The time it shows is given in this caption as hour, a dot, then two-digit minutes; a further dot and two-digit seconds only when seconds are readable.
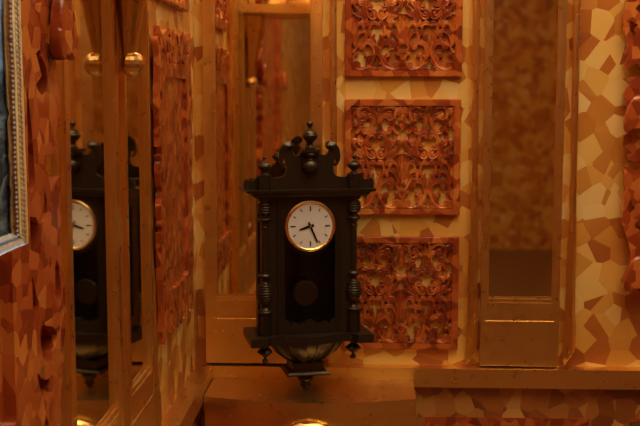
8.26
